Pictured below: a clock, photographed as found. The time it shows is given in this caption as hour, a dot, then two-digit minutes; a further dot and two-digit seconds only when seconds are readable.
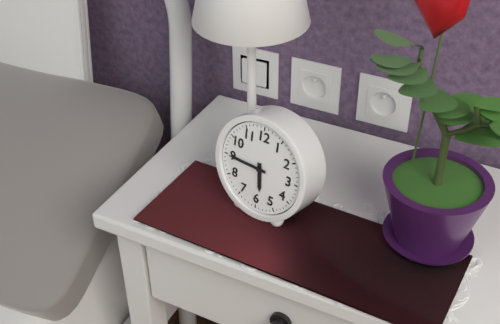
5.45
